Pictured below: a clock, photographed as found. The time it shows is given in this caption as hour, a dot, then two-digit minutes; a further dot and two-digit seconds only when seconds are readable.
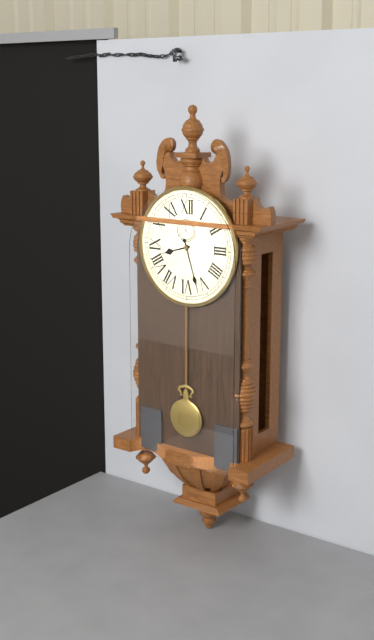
8.27
